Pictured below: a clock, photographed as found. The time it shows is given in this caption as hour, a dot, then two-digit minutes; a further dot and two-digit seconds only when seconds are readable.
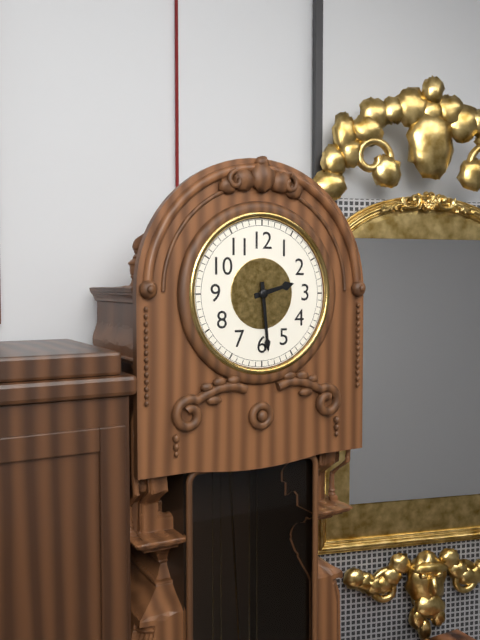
2.29
